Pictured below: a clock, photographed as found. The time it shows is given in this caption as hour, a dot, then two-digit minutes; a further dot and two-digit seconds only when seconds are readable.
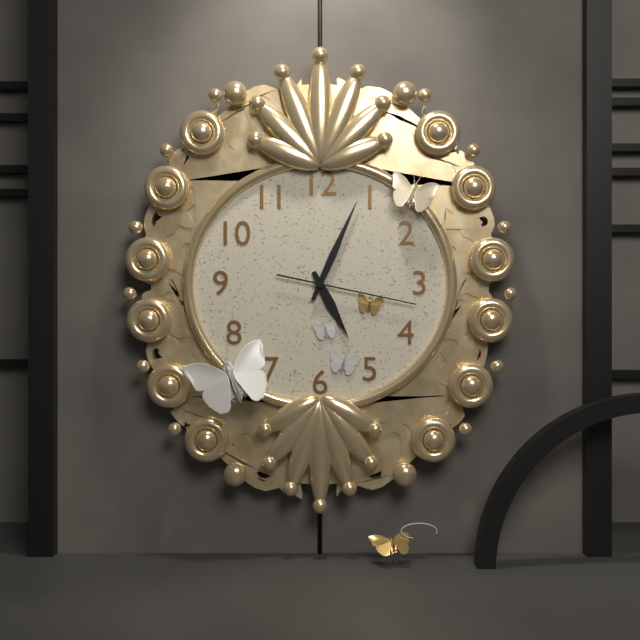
5.04.17
